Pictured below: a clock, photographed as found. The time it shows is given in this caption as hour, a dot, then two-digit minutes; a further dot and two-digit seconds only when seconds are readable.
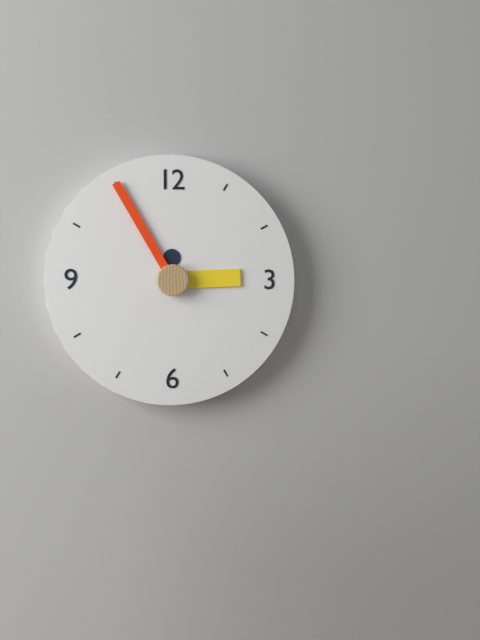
2.55
